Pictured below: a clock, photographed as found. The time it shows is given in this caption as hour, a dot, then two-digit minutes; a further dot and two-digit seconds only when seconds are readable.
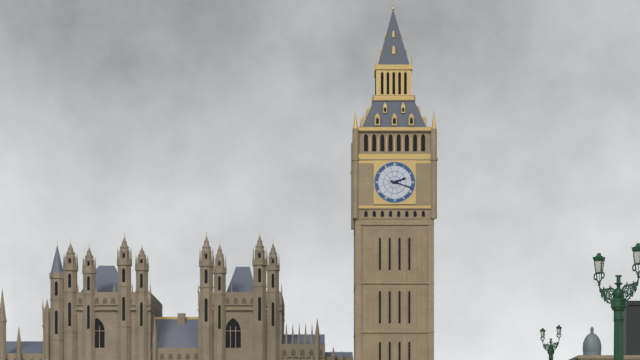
2.18
